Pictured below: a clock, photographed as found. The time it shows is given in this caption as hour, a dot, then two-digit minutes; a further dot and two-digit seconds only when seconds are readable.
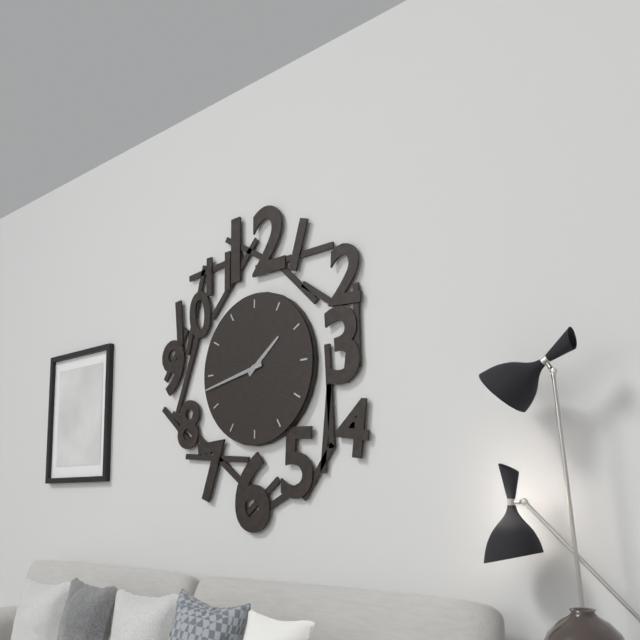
1.43
